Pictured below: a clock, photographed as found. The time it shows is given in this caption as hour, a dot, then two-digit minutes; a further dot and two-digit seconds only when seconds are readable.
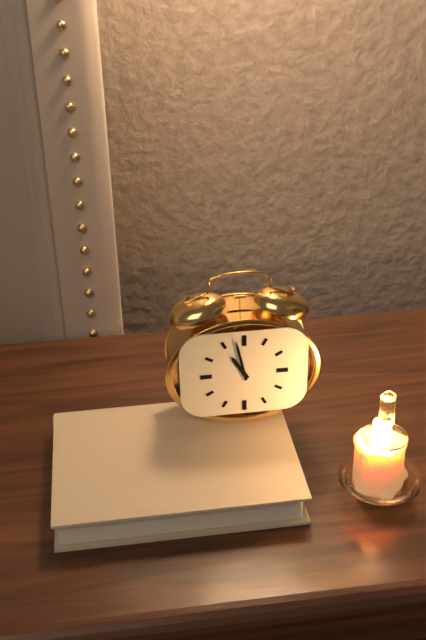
10.58
